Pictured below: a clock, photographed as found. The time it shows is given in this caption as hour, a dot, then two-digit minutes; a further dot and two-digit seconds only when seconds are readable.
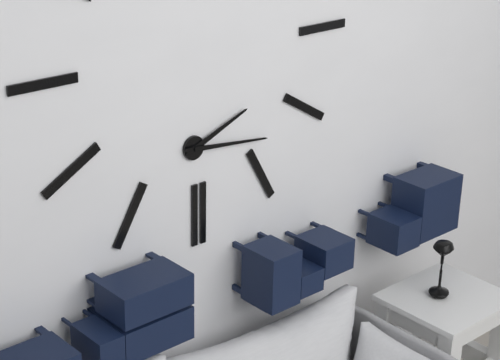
2.16
